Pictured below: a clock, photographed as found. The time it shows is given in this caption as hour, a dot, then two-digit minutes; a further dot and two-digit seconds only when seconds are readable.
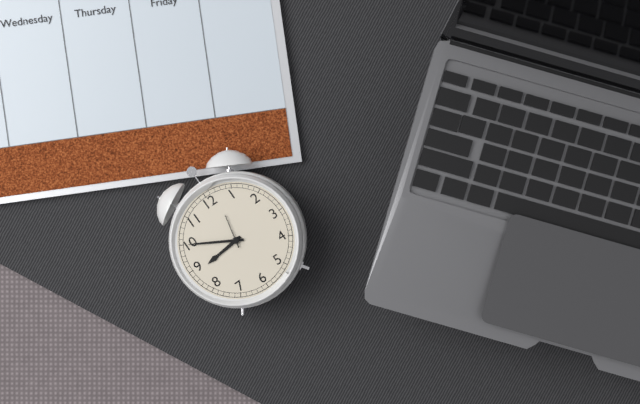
8.50
